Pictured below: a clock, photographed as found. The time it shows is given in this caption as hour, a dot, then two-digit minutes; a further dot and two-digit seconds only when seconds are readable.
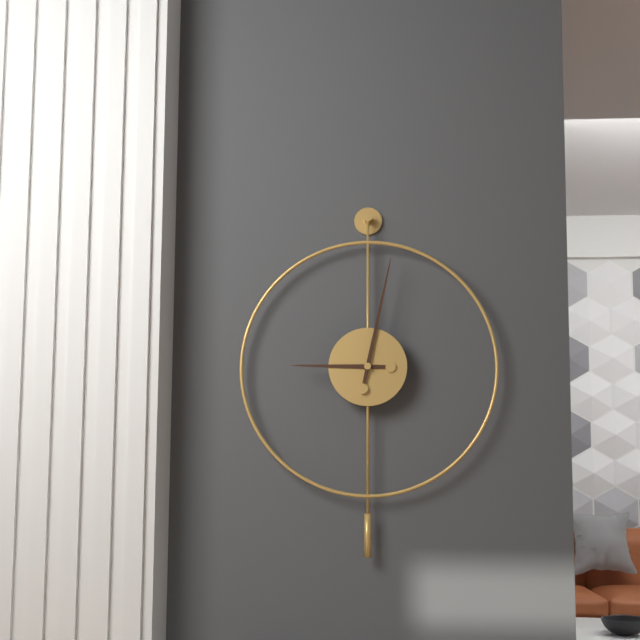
9.02
